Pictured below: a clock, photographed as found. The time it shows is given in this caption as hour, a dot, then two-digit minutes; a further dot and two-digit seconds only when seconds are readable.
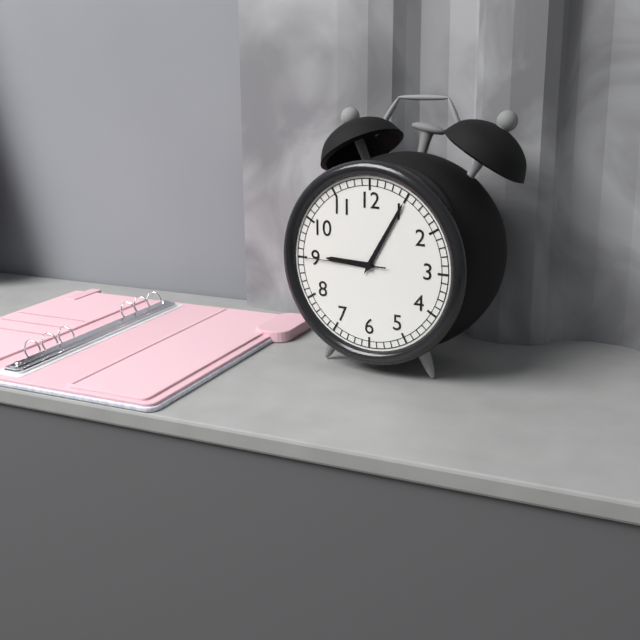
9.05.45
